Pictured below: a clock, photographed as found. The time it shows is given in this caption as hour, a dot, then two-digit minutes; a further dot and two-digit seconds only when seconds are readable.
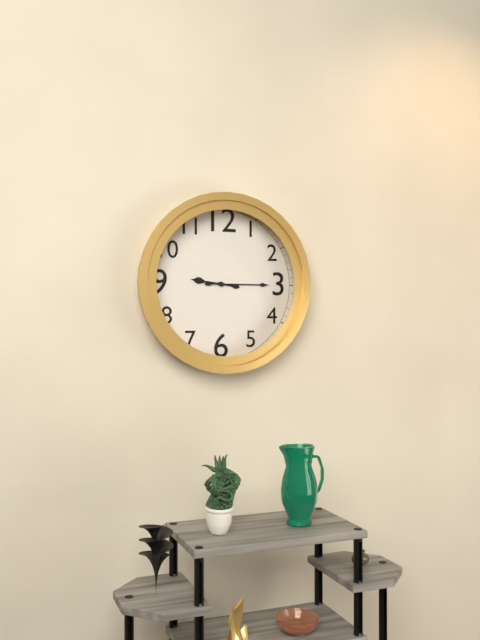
9.15
